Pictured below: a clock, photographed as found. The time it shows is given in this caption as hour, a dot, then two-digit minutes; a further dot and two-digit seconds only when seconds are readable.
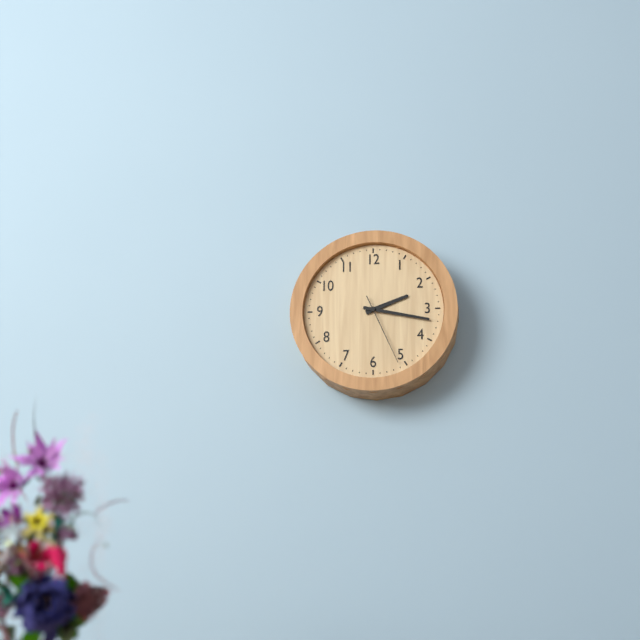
2.17.26
